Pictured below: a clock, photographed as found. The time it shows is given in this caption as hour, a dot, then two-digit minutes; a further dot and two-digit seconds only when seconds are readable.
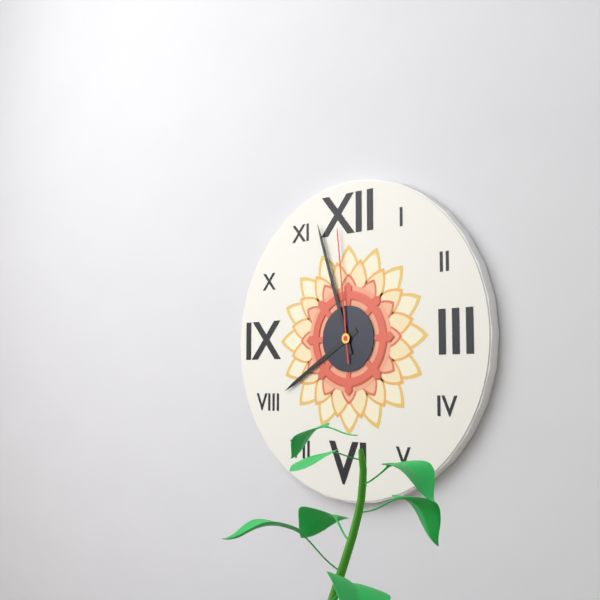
7.57.59
